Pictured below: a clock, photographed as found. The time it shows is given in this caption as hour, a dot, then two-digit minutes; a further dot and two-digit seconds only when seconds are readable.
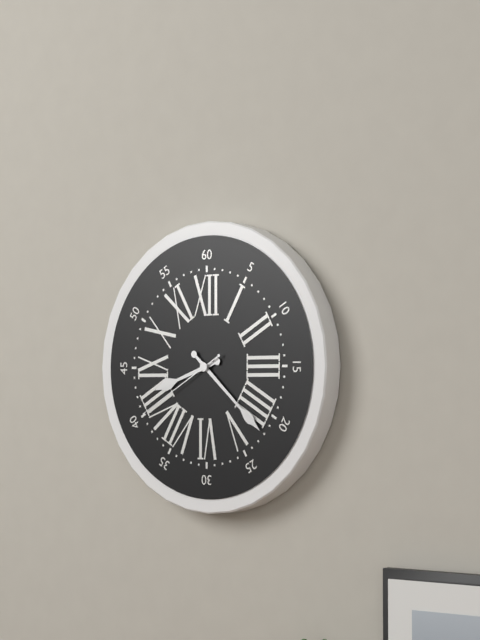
8.22.40
